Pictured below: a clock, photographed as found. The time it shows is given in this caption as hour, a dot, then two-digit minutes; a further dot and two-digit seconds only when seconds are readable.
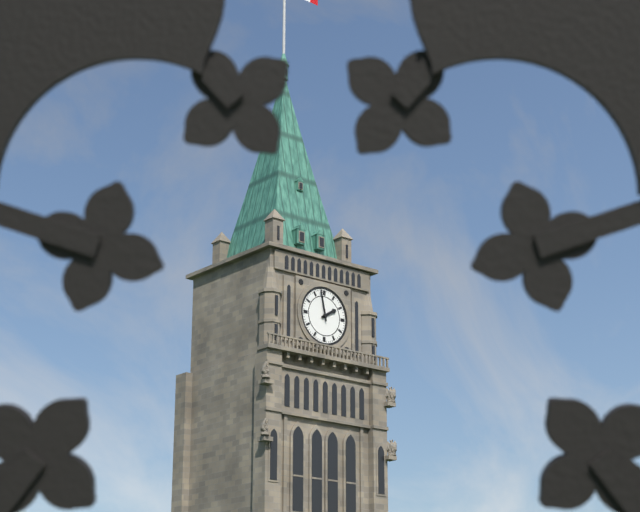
1.58
